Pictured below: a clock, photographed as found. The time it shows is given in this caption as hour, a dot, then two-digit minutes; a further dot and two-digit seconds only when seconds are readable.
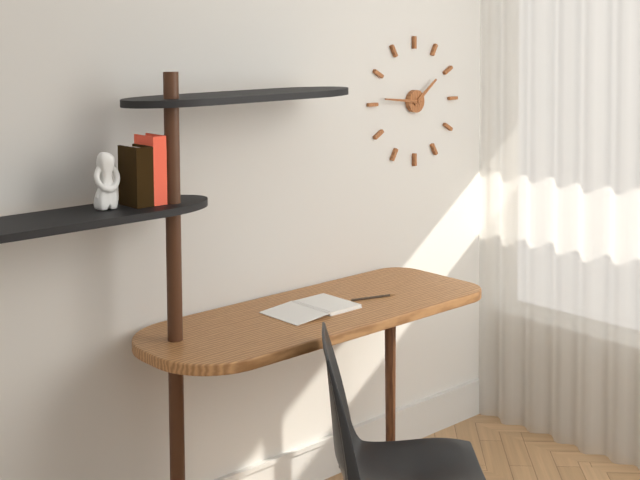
1.46
